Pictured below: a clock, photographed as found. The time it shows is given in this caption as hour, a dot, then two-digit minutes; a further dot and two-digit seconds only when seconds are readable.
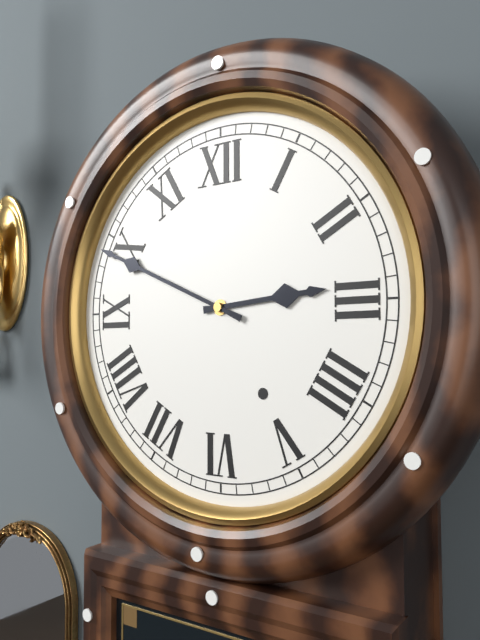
2.49
